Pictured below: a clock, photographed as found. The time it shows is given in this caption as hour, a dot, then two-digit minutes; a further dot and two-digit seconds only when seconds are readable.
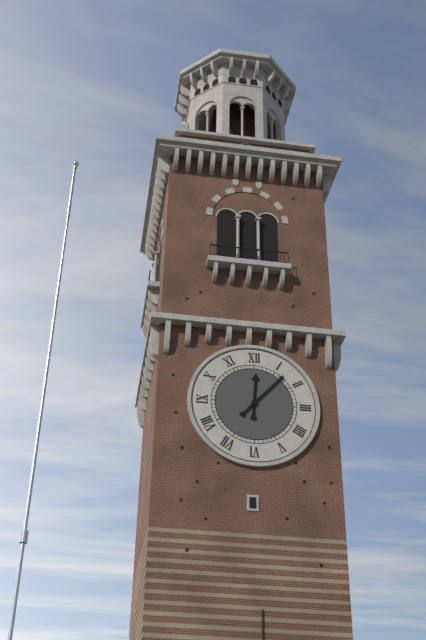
12.07
